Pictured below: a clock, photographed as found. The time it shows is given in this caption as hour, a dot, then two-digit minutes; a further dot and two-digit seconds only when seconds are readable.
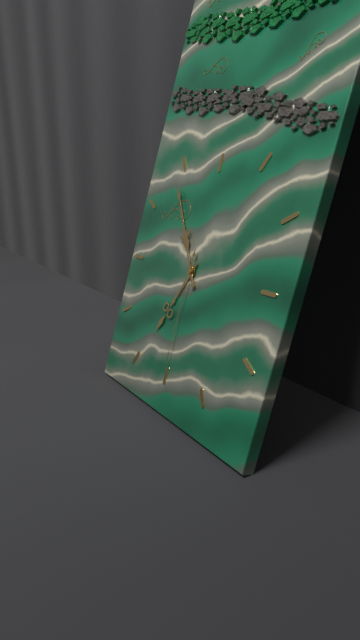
6.54.30
